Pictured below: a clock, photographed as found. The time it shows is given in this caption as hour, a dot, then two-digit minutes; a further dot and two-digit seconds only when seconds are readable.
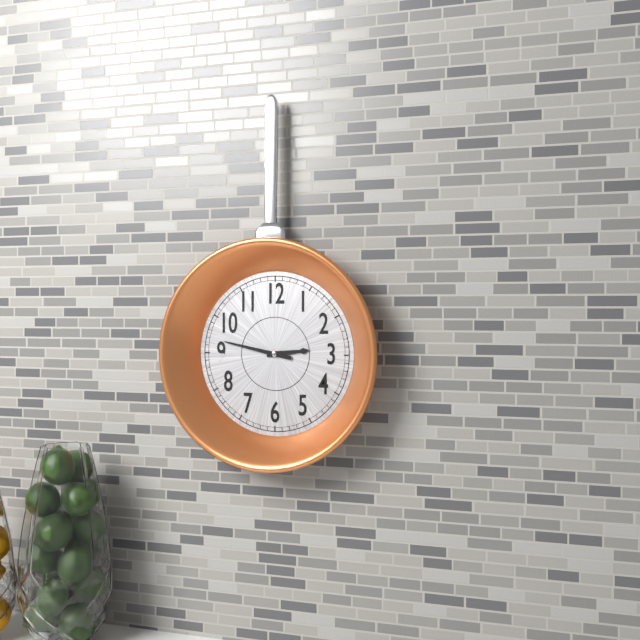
2.47
